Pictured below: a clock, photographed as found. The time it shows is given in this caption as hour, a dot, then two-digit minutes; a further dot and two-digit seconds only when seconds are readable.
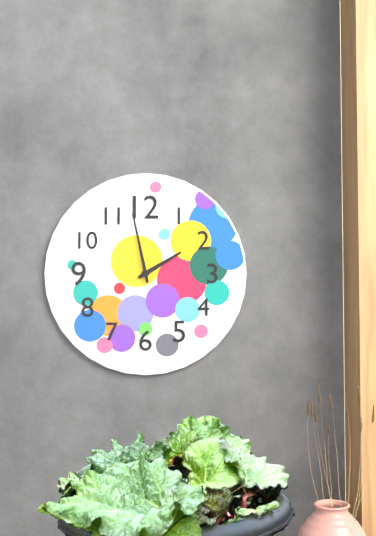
1.58
